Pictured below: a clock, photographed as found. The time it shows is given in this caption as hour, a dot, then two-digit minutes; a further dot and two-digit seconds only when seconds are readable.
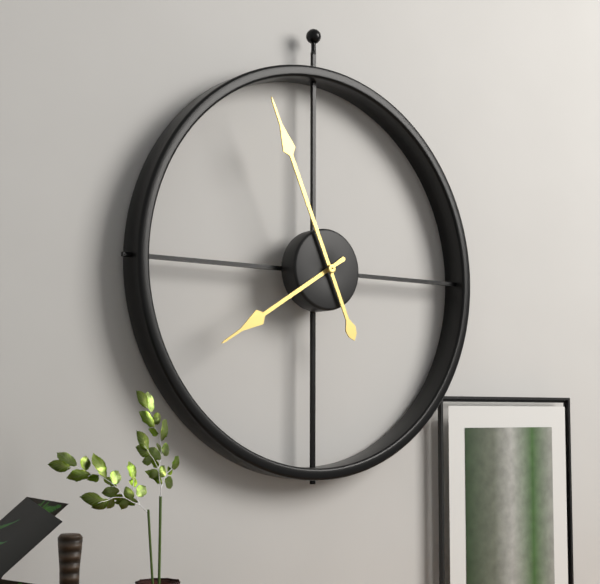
7.56
